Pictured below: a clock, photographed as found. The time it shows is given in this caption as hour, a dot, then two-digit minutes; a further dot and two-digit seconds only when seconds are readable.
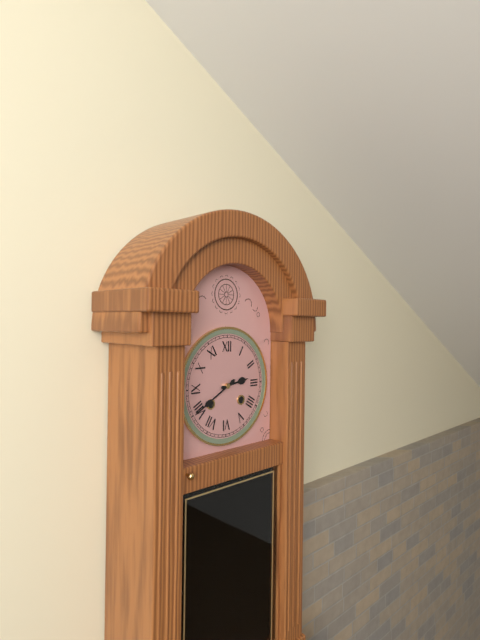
2.40
